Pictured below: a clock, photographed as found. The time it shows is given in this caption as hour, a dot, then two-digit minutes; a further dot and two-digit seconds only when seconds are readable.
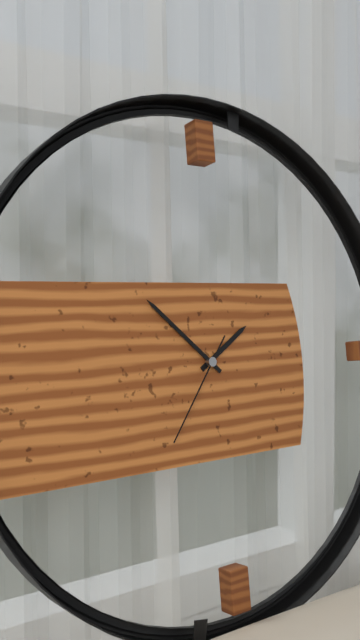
1.52.36
